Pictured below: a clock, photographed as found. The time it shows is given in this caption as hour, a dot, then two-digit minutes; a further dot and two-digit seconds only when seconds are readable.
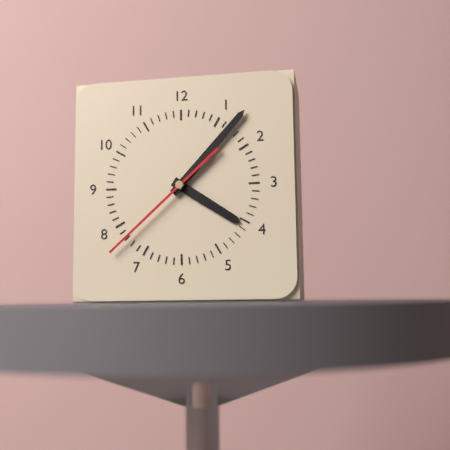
4.07.38
